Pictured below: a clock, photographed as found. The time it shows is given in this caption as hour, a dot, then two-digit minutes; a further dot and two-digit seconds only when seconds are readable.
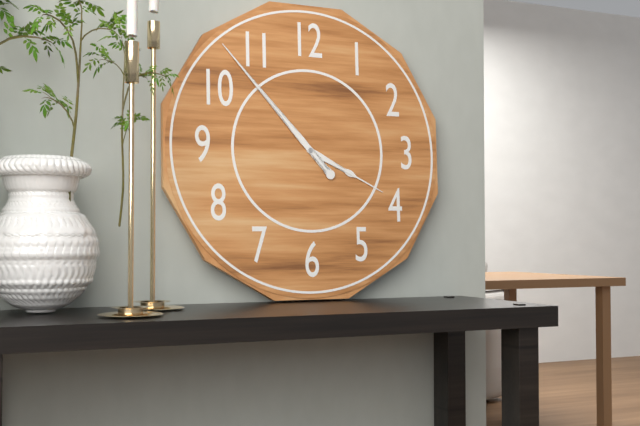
3.53
